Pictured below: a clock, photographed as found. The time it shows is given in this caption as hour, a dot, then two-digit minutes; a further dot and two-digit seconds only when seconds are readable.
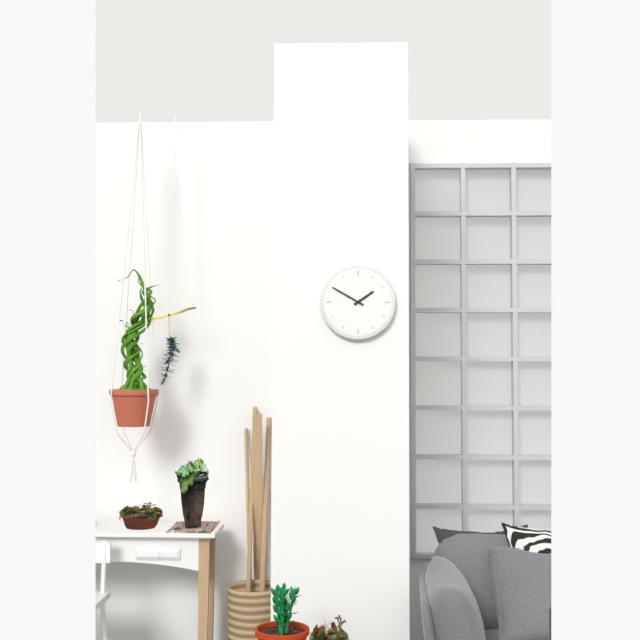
1.50
